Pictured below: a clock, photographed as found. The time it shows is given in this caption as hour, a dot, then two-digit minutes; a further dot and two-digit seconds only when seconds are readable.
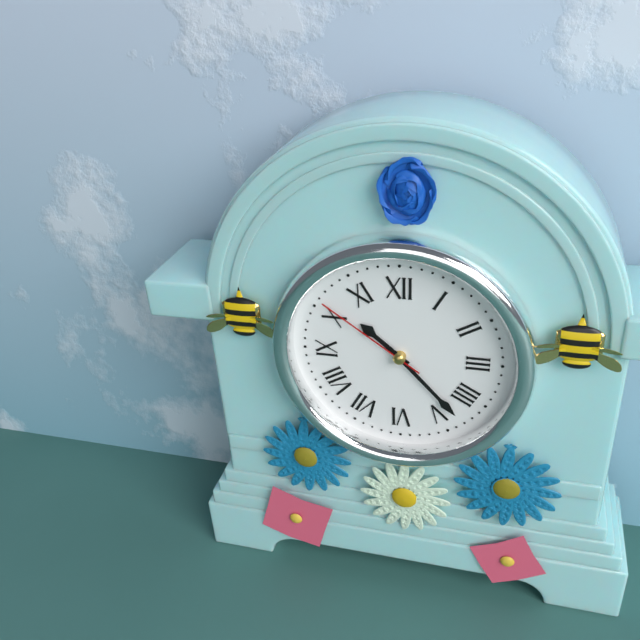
10.23.51
